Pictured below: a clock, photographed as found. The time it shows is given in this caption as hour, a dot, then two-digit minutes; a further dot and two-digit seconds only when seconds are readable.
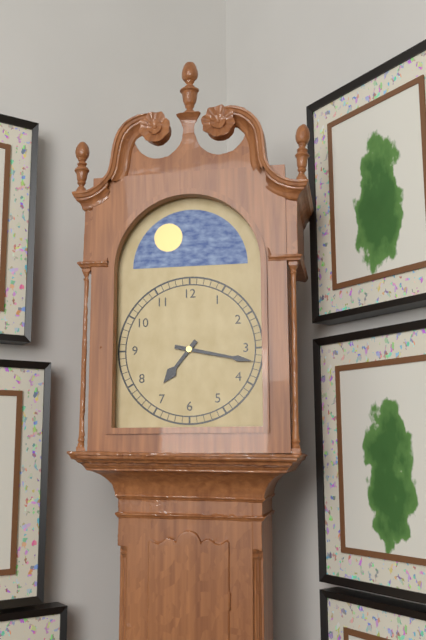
7.17
